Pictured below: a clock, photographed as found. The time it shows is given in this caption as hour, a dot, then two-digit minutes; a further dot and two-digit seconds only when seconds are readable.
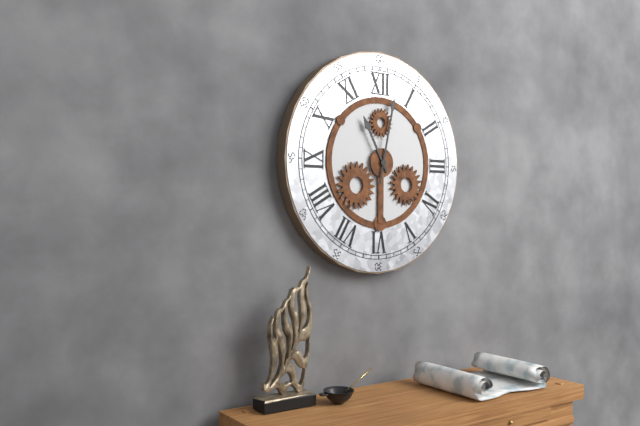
11.02
